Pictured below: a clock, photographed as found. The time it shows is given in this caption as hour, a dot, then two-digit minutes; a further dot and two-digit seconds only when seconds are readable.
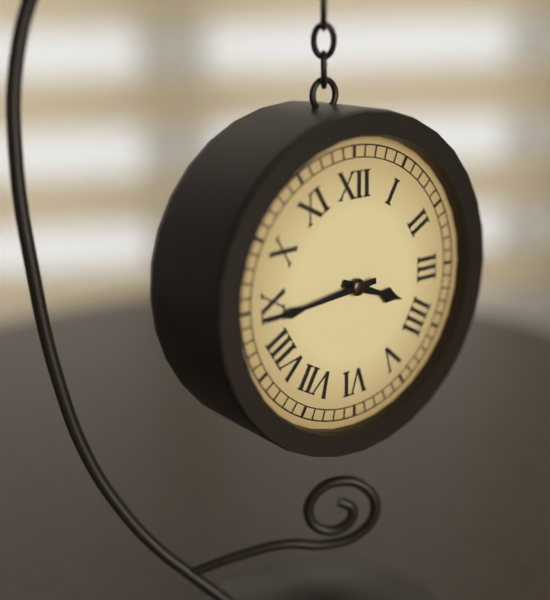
3.44
